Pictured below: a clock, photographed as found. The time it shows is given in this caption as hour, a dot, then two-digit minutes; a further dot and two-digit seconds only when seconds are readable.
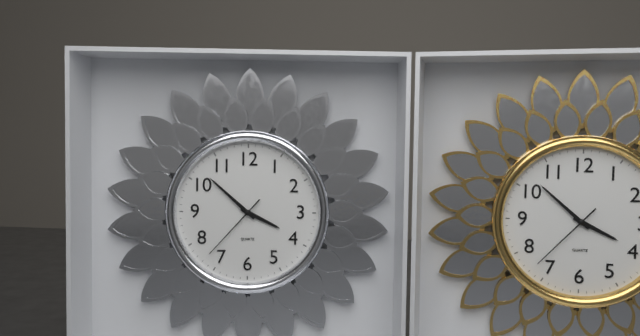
3.52.37
